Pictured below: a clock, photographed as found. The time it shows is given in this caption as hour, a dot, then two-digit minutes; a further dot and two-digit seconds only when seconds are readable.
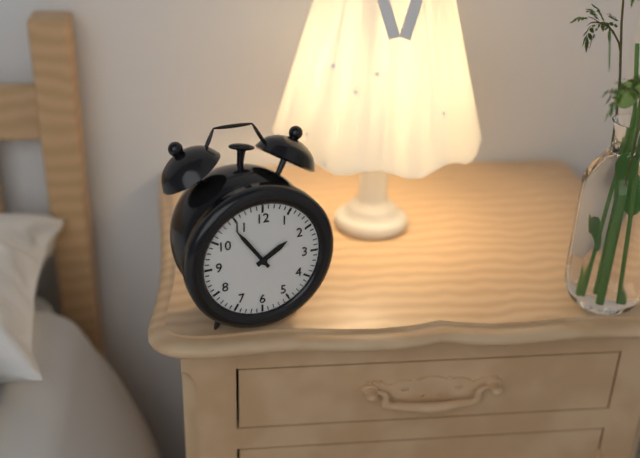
1.54
